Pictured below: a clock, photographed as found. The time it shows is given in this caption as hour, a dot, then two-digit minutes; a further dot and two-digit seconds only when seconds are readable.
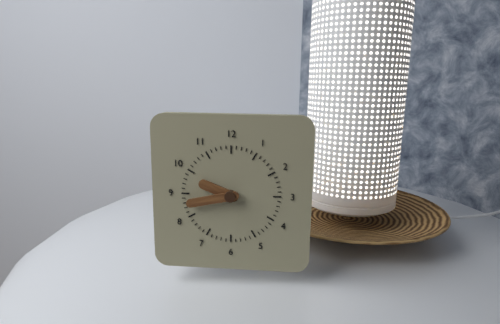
9.43
